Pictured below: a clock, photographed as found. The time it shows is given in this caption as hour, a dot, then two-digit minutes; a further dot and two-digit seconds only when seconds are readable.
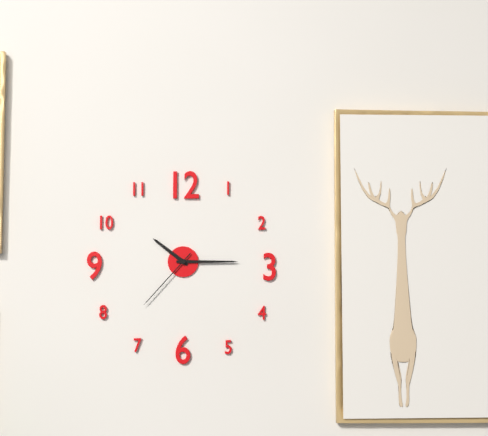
10.15.37
